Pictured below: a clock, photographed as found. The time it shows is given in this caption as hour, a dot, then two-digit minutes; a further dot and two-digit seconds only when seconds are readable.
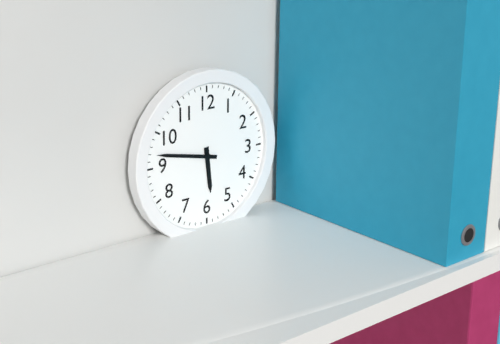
5.47
